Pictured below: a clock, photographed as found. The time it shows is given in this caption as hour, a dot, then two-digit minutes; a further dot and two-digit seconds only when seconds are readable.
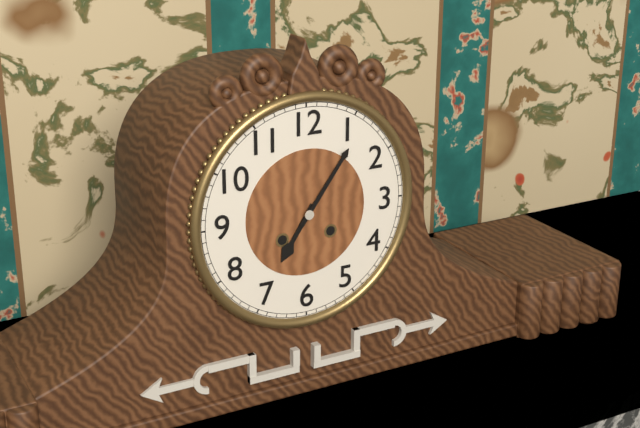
7.06
